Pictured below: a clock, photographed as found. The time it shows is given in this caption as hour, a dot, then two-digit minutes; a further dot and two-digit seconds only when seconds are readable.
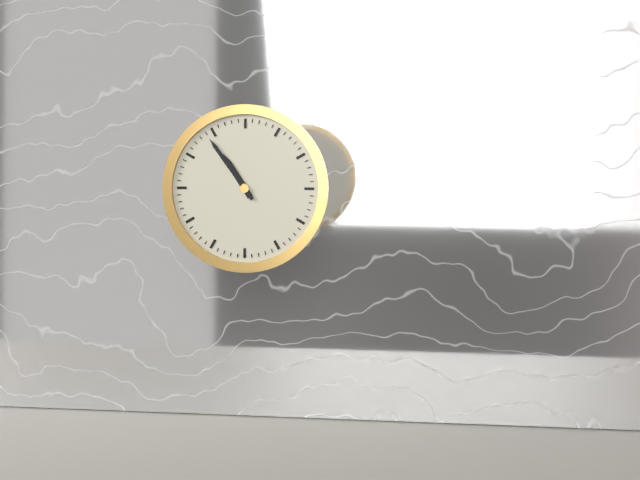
10.54
